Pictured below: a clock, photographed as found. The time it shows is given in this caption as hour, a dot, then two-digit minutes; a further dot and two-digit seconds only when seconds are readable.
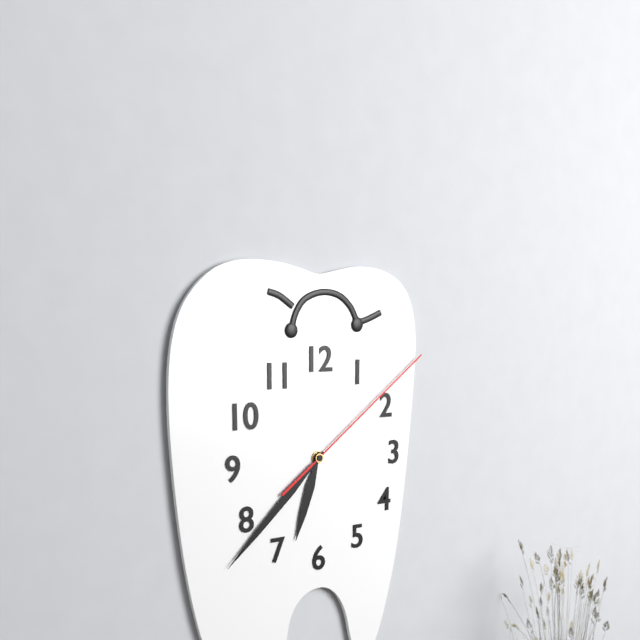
6.38.09
